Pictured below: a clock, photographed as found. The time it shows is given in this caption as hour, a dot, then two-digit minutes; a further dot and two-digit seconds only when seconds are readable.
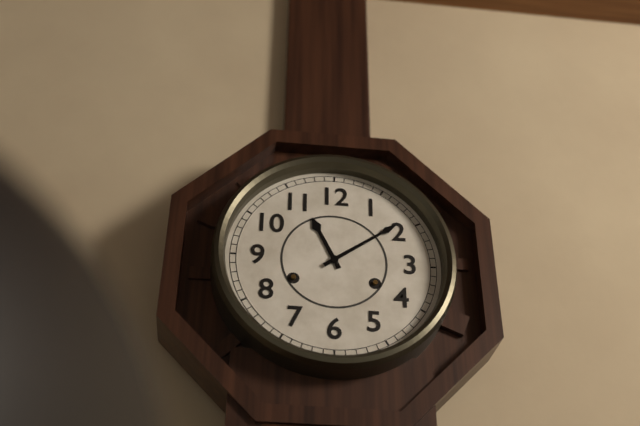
11.09
